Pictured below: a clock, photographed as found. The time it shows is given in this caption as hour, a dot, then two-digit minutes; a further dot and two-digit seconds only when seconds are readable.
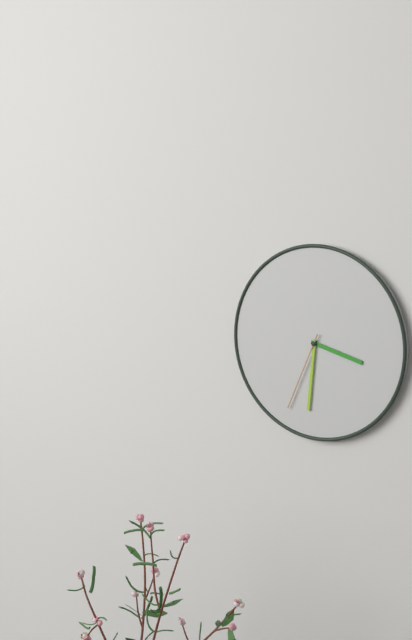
3.31.34
